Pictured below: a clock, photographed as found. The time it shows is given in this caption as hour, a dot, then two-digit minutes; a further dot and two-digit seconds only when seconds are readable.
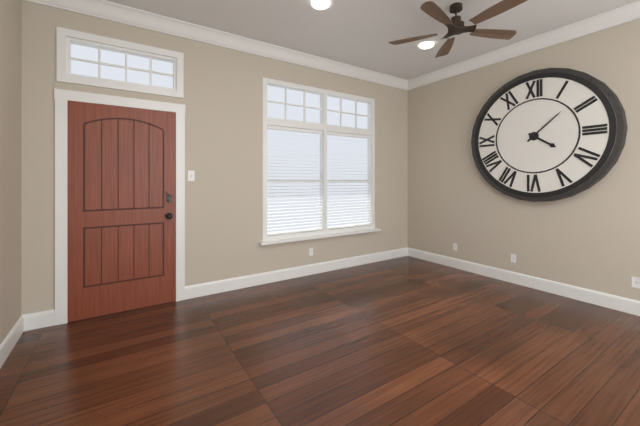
4.08
